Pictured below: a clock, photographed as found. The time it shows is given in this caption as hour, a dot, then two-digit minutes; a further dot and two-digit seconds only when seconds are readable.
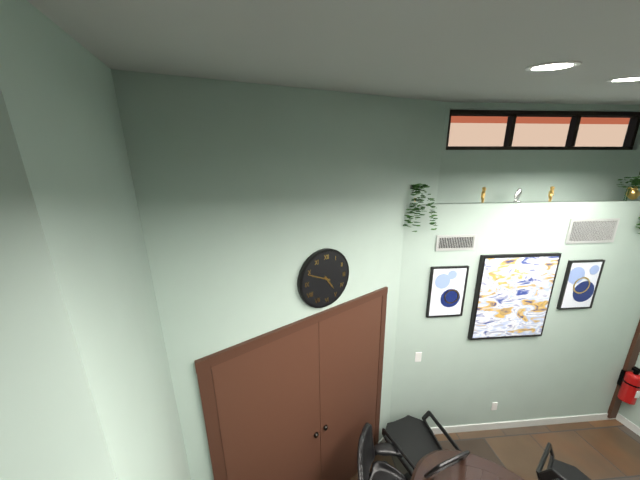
4.49
